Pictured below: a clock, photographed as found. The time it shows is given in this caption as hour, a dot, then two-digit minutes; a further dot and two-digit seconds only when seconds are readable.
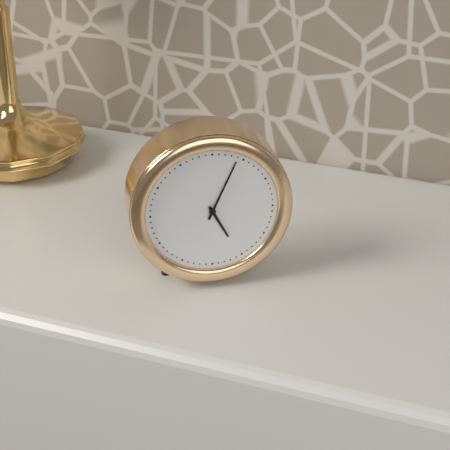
5.04
